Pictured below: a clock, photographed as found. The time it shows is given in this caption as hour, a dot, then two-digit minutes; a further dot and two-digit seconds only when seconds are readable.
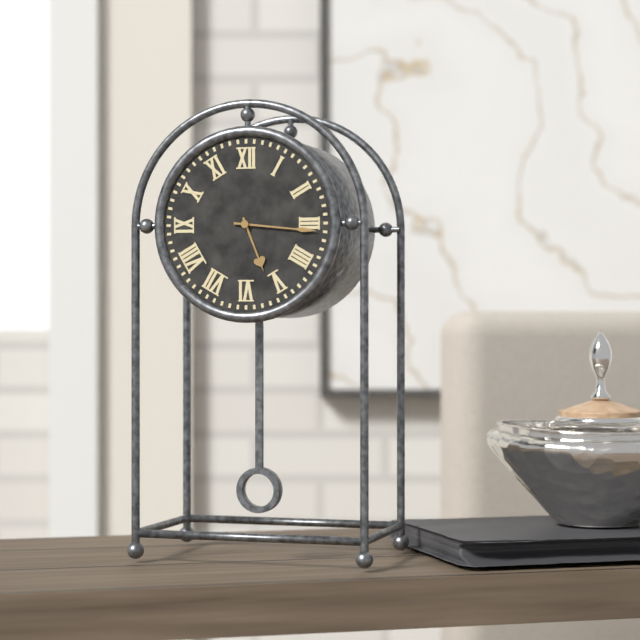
5.16
